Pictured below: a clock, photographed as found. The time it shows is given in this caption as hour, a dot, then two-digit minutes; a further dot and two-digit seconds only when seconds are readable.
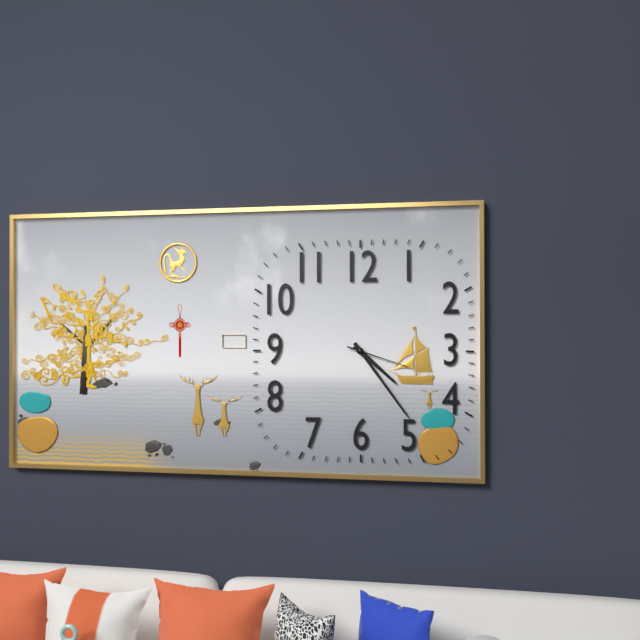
4.24.18
